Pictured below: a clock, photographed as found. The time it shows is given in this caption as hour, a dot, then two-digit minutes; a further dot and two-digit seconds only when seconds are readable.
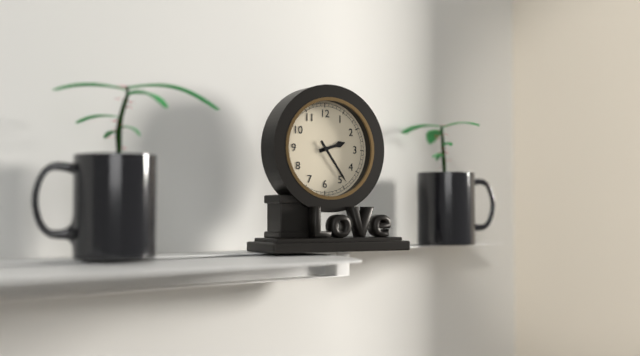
2.24
